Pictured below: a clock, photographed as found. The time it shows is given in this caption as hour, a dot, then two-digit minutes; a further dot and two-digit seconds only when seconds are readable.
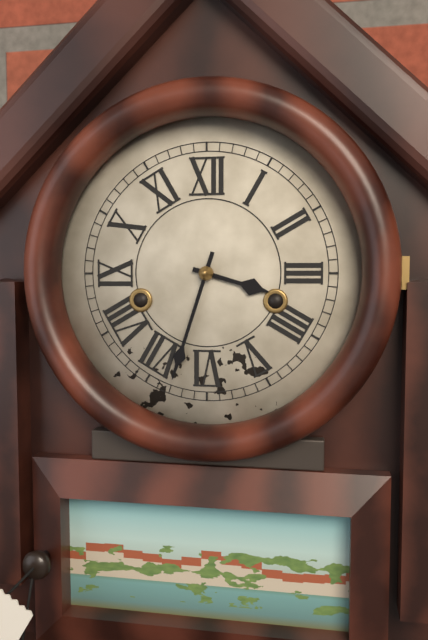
3.33
